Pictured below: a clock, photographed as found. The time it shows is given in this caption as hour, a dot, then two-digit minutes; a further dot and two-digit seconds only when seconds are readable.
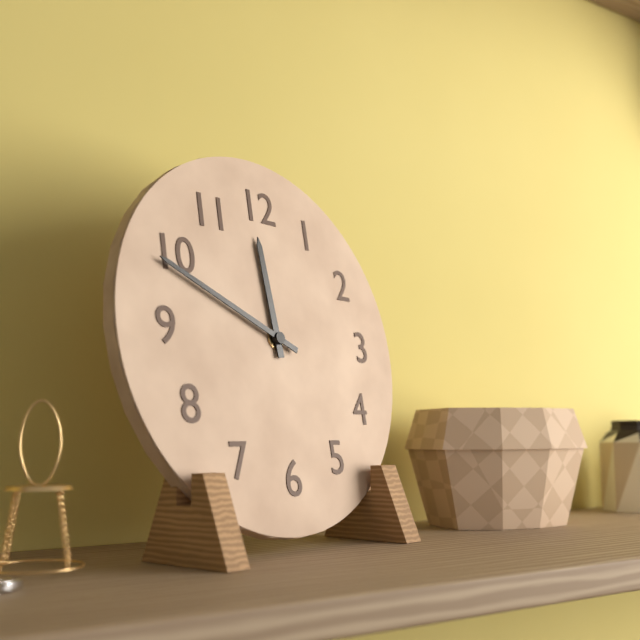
11.49
